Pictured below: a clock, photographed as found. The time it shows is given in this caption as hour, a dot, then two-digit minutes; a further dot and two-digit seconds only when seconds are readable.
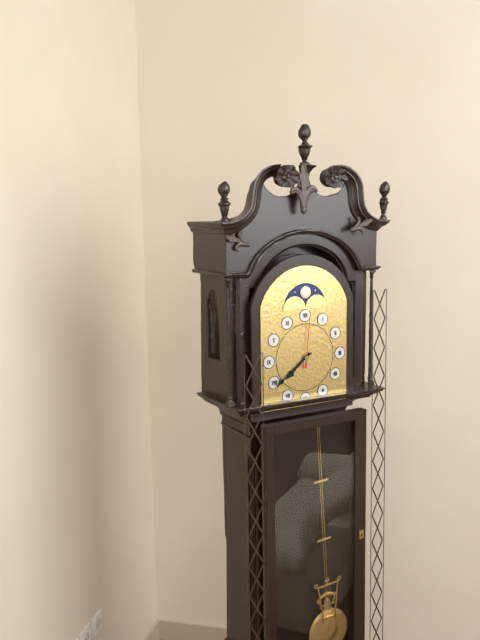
7.39
